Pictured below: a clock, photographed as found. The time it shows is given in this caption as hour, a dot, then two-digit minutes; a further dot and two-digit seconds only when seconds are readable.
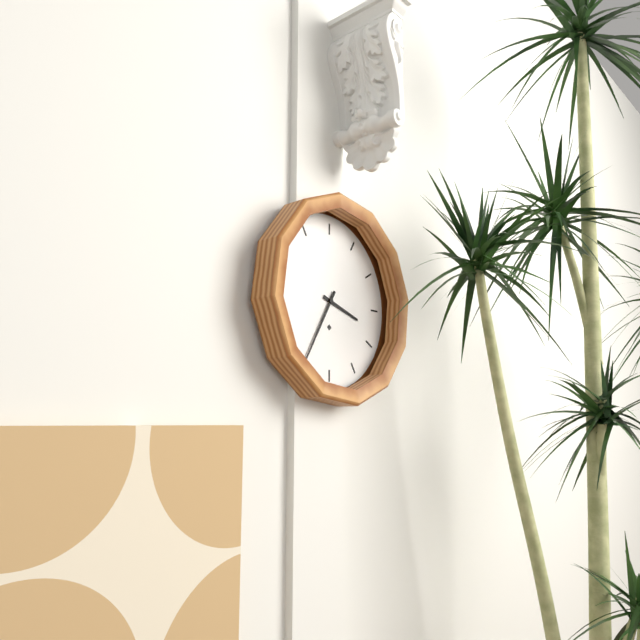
3.35
